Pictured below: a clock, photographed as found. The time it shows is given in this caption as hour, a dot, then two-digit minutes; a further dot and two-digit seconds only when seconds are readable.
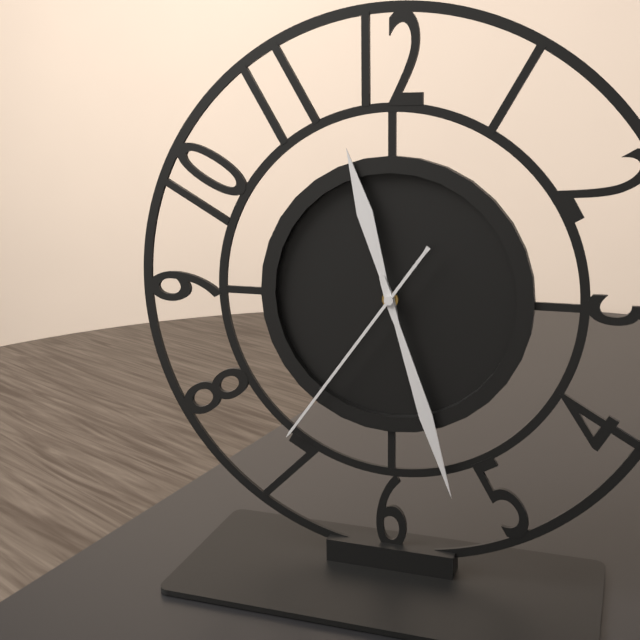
11.27.36
